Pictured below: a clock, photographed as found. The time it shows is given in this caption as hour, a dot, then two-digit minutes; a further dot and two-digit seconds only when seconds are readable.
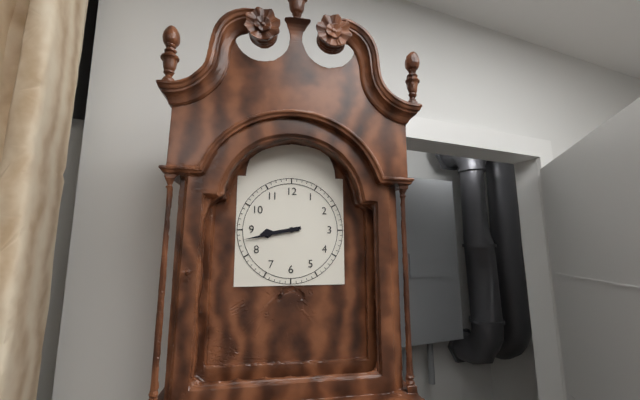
8.43
